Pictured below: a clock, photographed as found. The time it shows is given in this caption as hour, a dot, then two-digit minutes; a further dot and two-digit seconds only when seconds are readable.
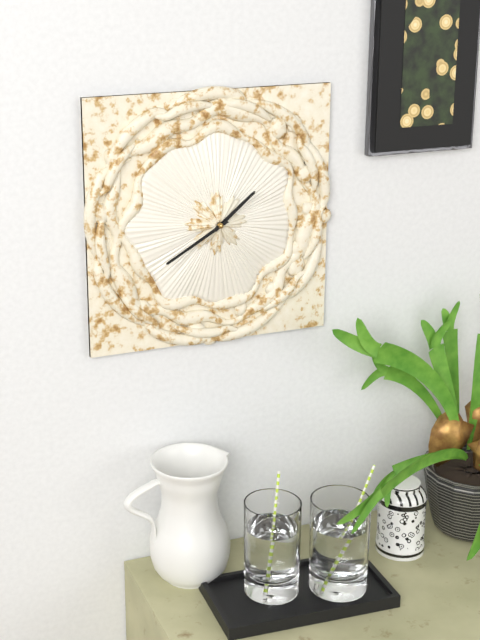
1.40
